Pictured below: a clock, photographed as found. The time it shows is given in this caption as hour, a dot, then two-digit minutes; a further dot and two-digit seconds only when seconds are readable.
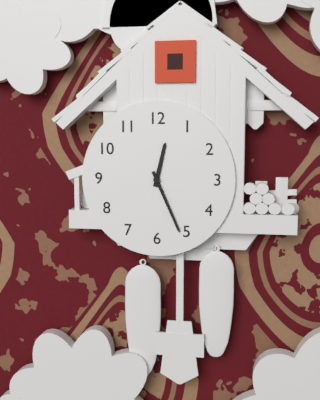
12.26
